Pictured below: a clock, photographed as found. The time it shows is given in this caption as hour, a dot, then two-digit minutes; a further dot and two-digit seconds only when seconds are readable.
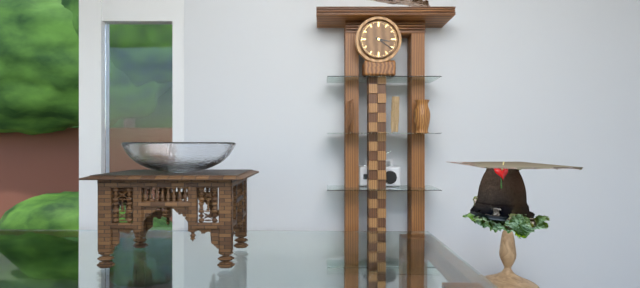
3.21
